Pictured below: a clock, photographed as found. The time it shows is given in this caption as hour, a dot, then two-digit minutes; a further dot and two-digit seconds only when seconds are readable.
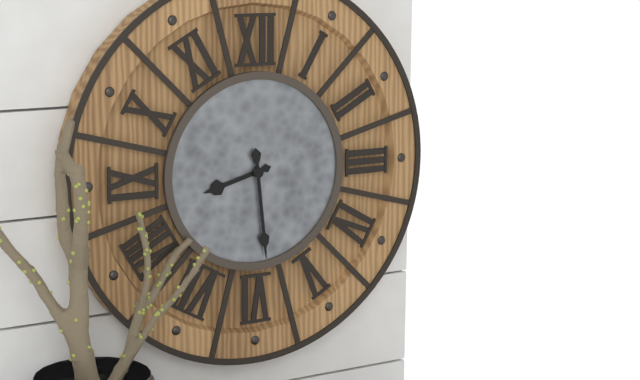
8.29
